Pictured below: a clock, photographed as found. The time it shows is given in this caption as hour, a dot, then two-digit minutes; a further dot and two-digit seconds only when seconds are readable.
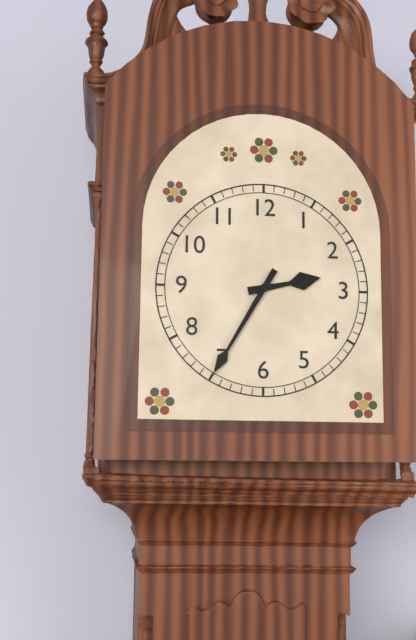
2.35
